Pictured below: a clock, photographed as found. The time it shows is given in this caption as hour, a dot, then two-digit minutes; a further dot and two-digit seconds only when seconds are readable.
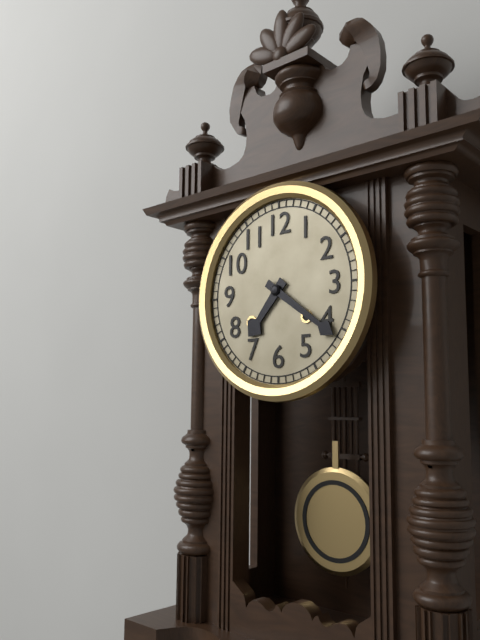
7.21
